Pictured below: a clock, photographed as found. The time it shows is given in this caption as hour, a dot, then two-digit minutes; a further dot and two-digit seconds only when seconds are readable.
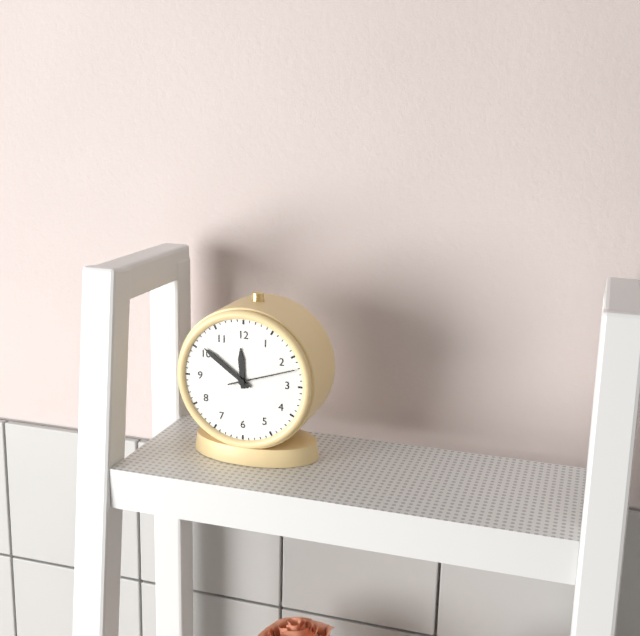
11.51.12
